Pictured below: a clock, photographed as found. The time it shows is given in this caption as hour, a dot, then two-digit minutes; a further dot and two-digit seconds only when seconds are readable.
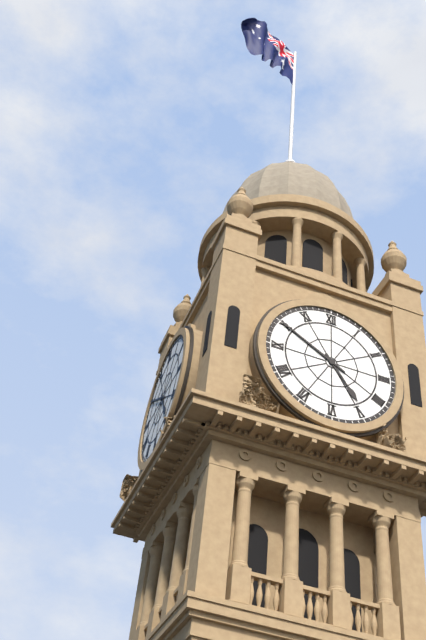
4.50
